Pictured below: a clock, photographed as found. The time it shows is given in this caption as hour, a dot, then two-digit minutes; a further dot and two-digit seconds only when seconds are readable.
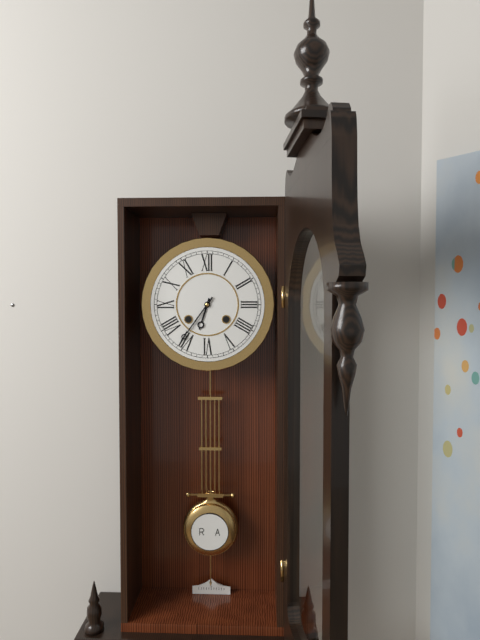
6.36
